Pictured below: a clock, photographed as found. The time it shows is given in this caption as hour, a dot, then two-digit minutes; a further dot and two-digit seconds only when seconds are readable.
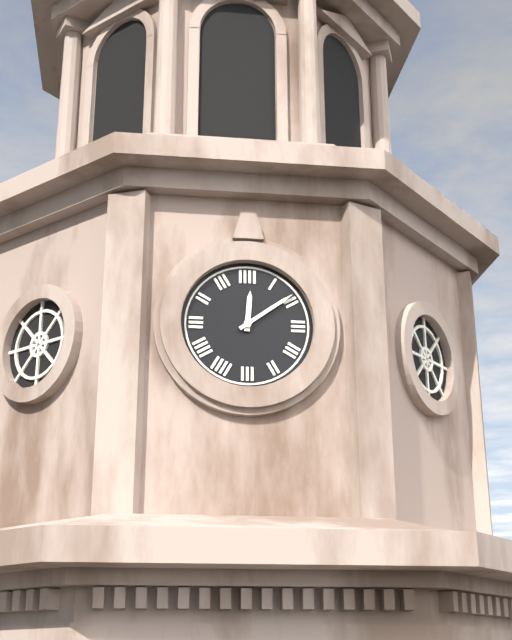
12.09
